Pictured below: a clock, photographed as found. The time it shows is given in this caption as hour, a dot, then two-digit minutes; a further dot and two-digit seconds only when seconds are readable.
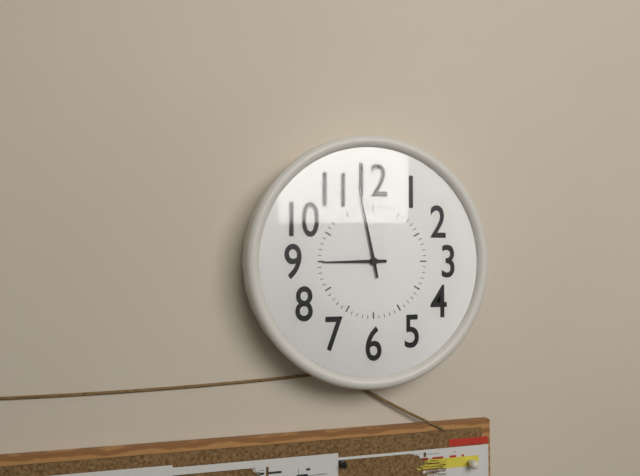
8.58
